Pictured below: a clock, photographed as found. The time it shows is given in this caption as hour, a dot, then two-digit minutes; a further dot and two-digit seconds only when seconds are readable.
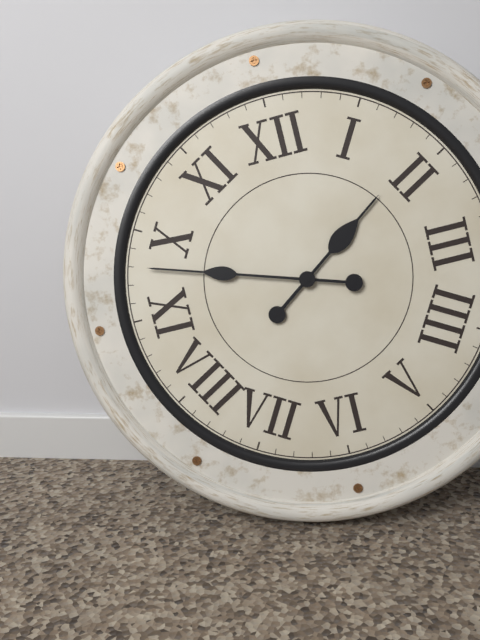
1.48
